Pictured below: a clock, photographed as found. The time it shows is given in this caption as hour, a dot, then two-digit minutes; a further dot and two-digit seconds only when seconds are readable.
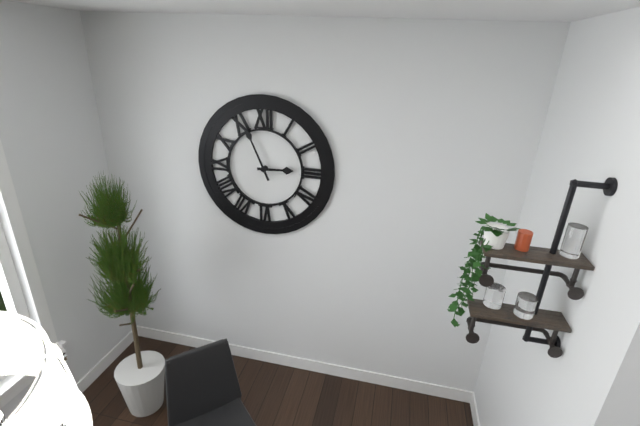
2.56
